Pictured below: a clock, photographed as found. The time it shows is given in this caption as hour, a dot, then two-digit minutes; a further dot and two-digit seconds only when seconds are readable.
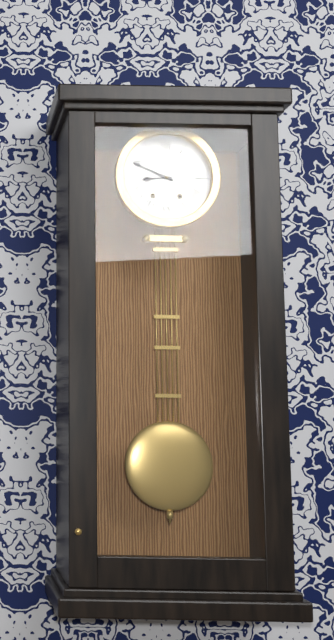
8.49
